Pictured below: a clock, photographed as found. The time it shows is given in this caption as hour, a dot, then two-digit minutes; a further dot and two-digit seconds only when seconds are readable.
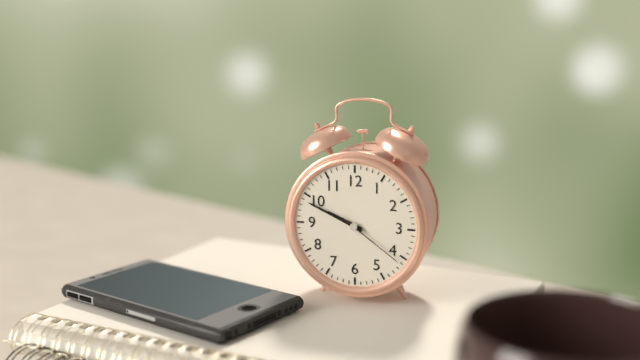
9.49.21
